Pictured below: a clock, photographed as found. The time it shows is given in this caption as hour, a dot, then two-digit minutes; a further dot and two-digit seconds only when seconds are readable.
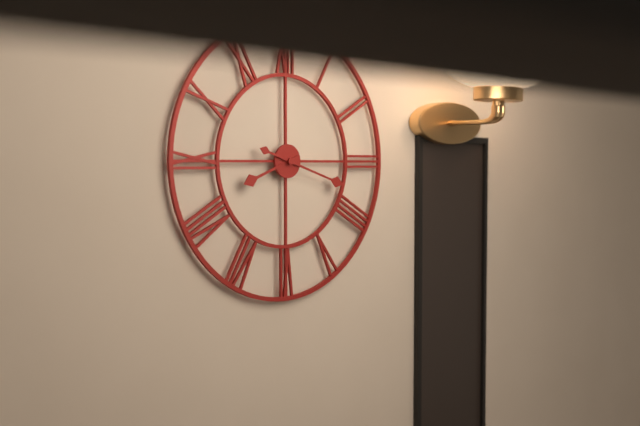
8.18
